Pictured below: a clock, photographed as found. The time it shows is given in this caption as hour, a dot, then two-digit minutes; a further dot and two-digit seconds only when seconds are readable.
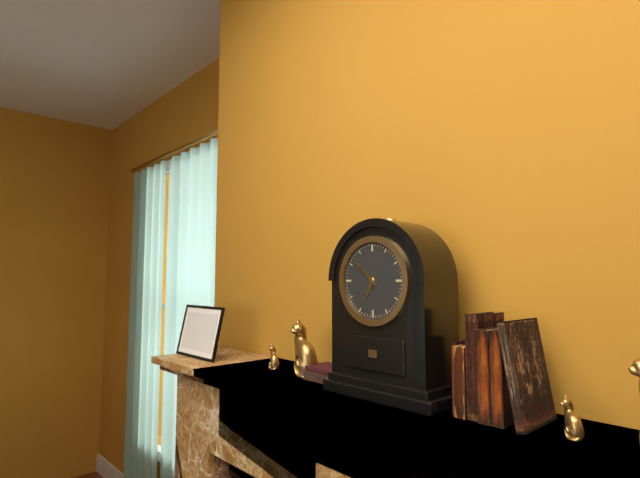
6.52
